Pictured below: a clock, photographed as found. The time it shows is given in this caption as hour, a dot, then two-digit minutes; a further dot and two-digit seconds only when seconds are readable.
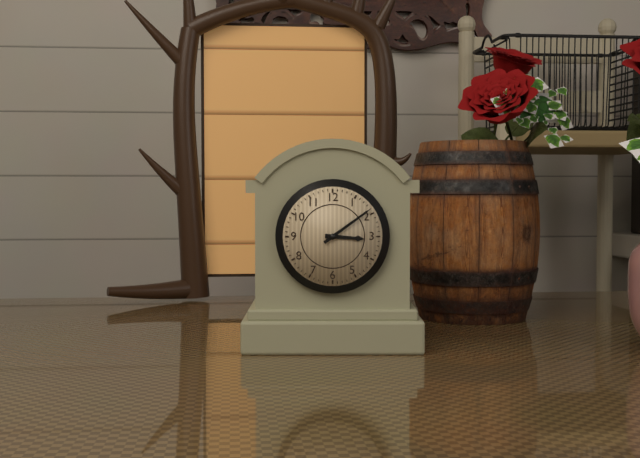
3.09
